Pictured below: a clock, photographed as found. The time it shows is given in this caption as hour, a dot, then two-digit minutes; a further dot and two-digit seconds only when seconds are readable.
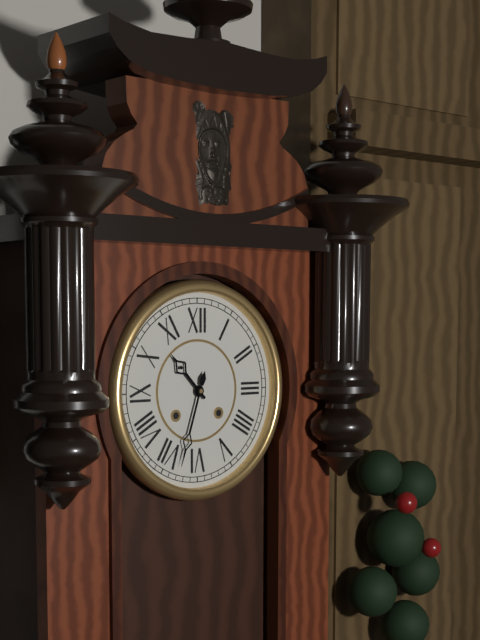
10.33
